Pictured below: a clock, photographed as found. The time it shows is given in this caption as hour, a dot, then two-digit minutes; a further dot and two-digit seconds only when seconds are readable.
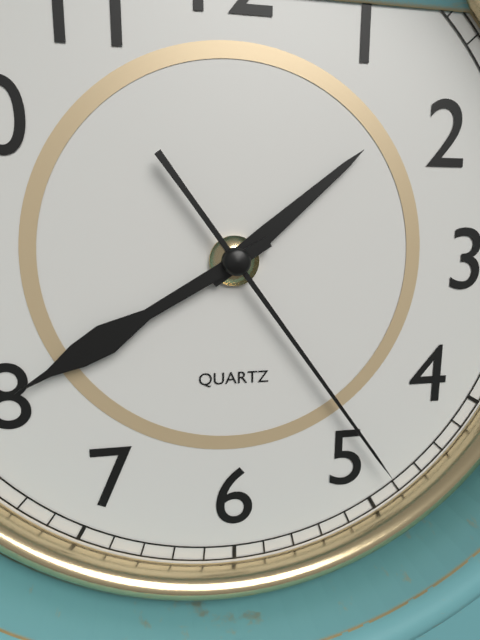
1.40.24
